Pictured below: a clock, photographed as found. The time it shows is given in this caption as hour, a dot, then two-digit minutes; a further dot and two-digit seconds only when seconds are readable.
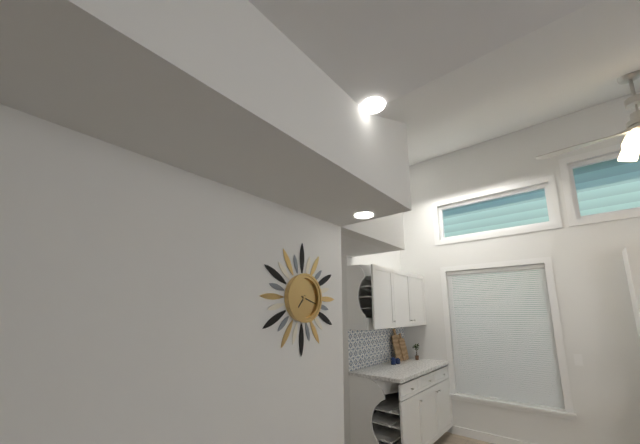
7.18
